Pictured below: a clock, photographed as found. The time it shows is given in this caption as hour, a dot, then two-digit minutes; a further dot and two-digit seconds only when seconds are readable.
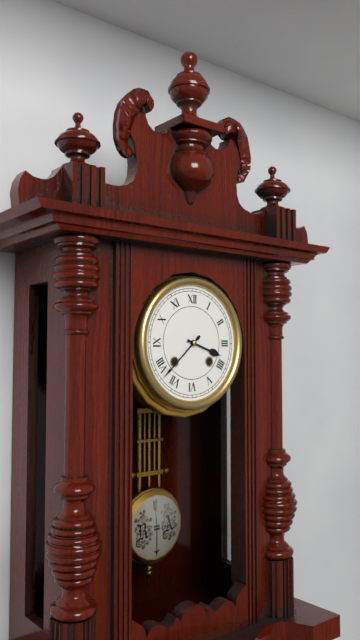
3.38
